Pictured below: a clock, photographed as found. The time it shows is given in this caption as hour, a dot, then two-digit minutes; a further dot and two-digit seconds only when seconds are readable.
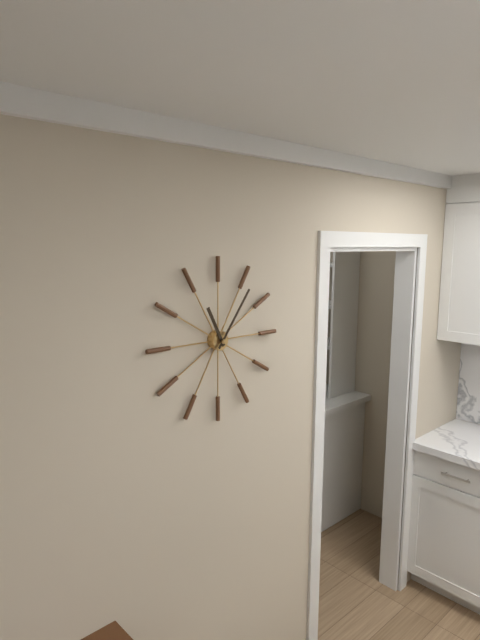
11.06
